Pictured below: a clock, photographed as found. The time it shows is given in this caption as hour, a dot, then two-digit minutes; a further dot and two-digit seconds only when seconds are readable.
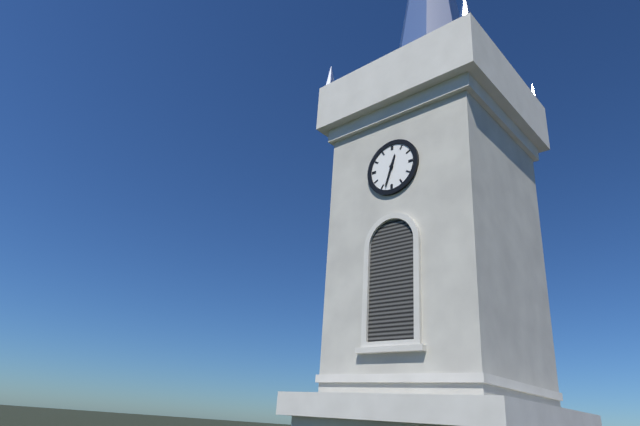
12.33
